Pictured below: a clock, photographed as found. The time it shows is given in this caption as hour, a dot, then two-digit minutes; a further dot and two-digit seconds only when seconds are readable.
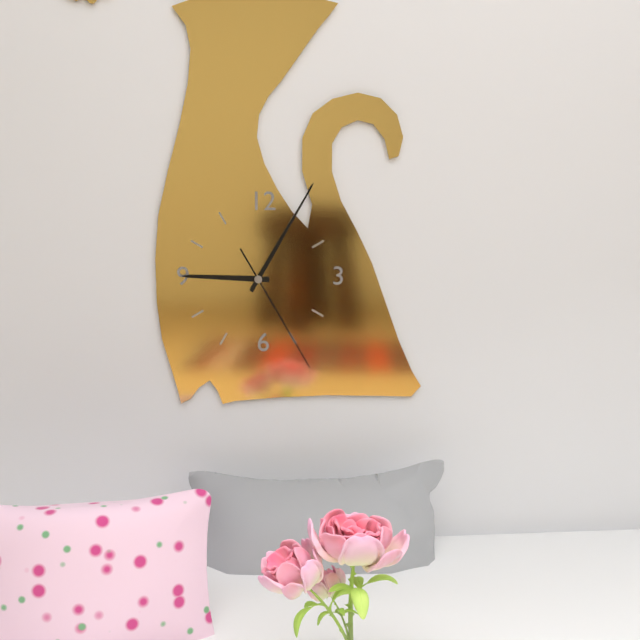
9.05.25
